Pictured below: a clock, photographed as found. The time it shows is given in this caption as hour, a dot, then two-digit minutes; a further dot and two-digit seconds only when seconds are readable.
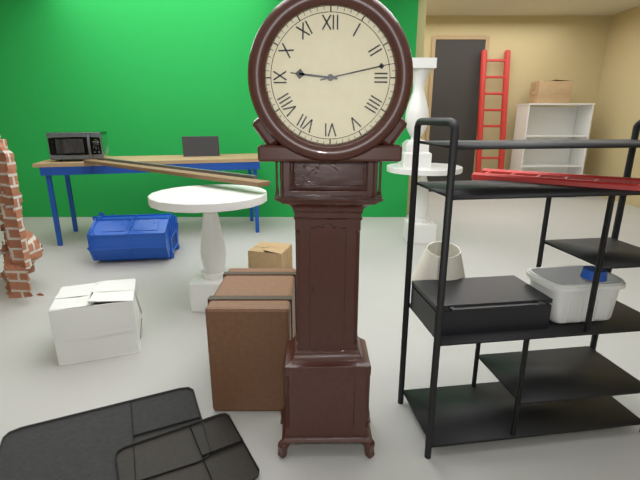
9.13
